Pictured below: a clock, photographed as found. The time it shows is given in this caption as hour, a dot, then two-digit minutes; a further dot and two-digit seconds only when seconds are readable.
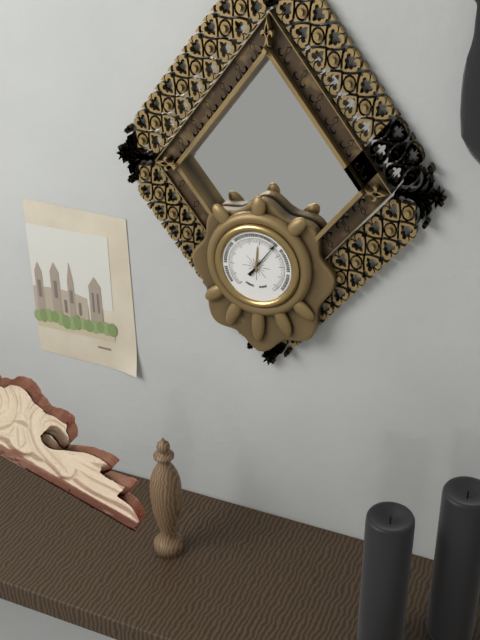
12.06
